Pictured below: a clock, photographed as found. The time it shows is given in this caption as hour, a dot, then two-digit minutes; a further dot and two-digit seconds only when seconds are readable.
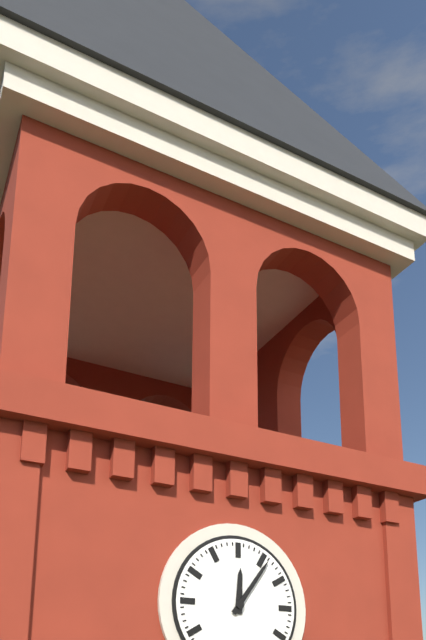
12.06
